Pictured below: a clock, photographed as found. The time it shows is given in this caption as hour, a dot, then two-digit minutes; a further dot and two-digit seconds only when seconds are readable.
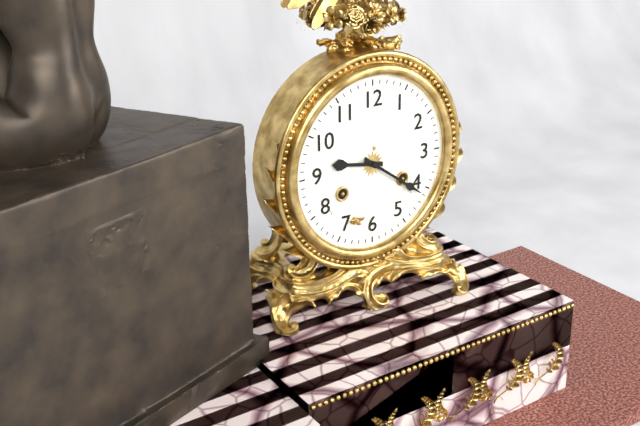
9.21
